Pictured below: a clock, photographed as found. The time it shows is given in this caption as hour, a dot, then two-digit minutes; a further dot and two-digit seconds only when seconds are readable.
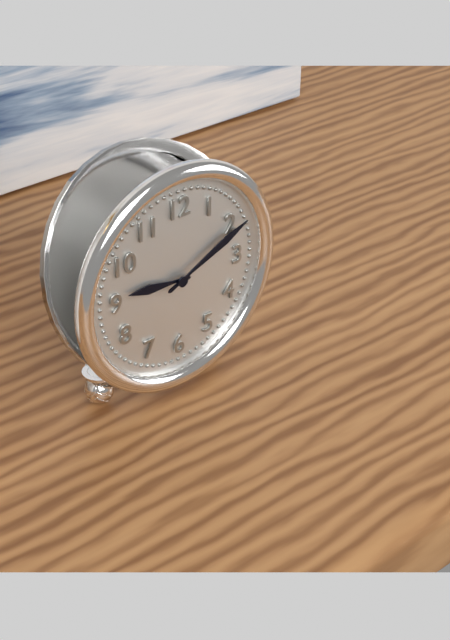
9.11
